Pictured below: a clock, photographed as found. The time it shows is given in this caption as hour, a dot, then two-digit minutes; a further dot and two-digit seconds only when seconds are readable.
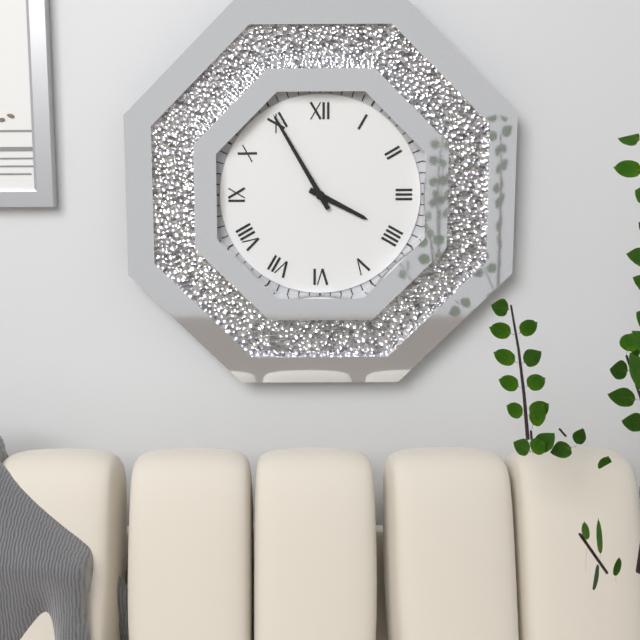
3.55
